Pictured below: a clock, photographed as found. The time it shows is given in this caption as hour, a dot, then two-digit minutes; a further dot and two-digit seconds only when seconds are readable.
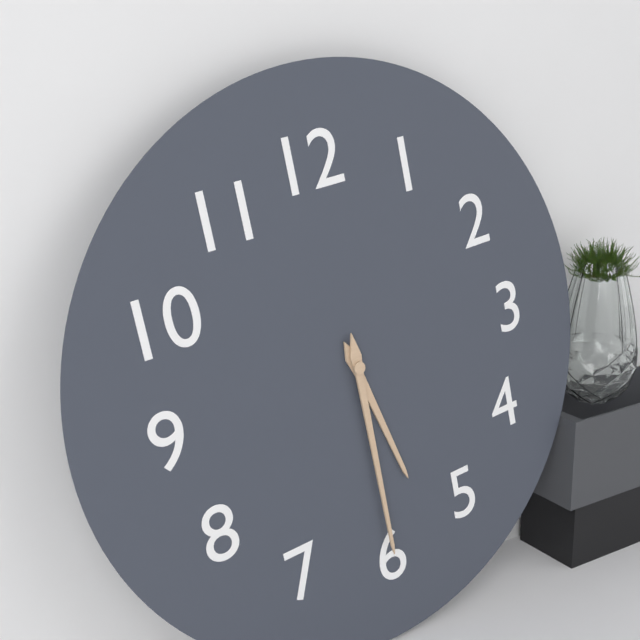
5.30
